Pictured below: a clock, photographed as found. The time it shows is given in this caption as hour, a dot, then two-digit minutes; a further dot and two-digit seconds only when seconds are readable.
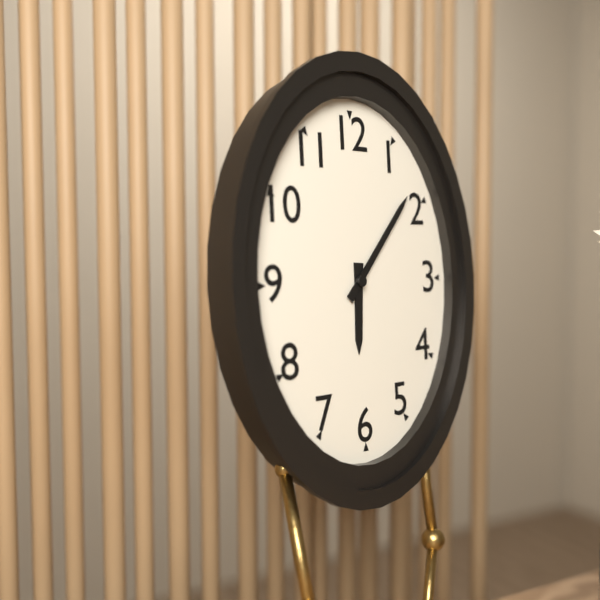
6.07
